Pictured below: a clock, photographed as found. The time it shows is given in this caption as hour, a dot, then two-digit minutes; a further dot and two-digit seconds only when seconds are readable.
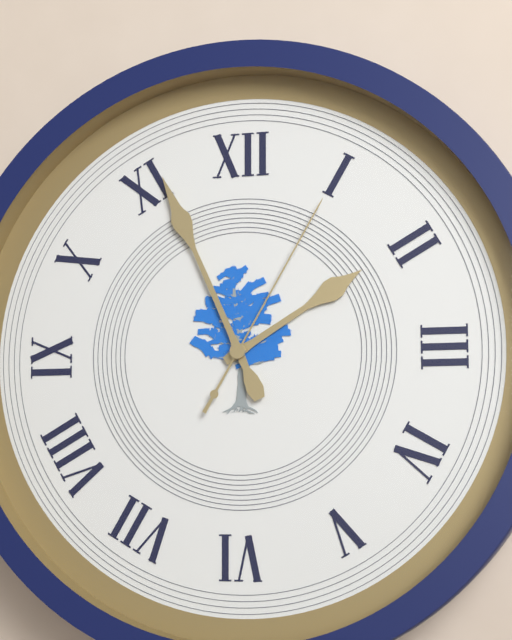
1.56.05
